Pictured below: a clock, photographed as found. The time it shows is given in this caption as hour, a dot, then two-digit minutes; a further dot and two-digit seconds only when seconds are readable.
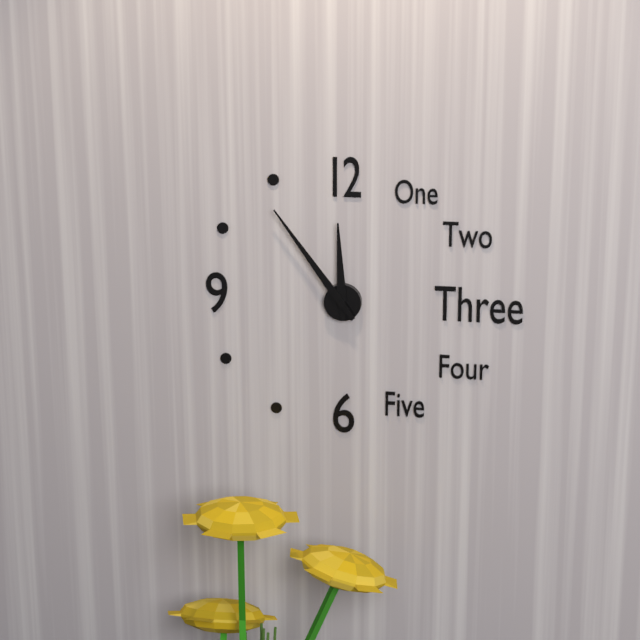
11.54
